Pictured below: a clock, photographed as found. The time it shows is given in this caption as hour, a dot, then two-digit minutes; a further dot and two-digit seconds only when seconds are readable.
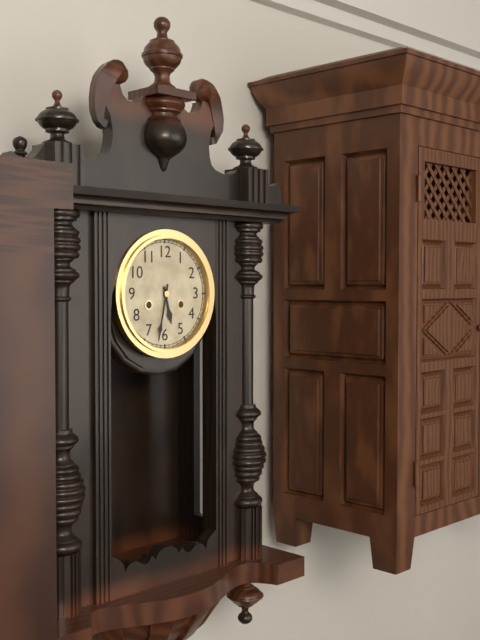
5.32
